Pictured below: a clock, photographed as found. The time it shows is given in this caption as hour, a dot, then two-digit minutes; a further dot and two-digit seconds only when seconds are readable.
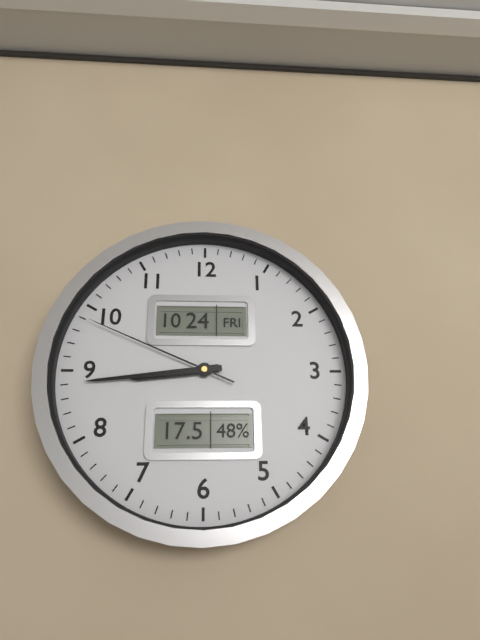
8.44.49
